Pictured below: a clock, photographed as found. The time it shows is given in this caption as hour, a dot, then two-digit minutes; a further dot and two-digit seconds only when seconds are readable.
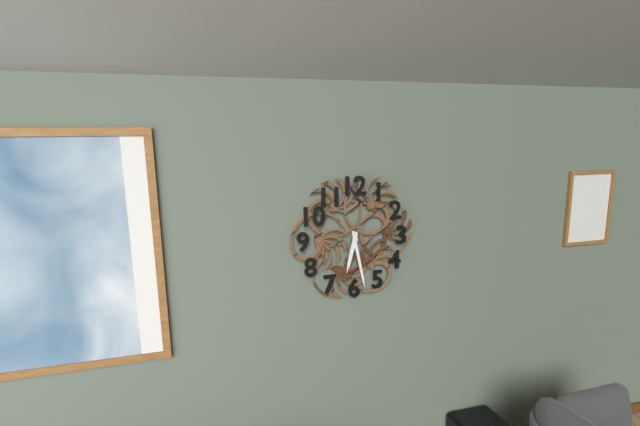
6.28
